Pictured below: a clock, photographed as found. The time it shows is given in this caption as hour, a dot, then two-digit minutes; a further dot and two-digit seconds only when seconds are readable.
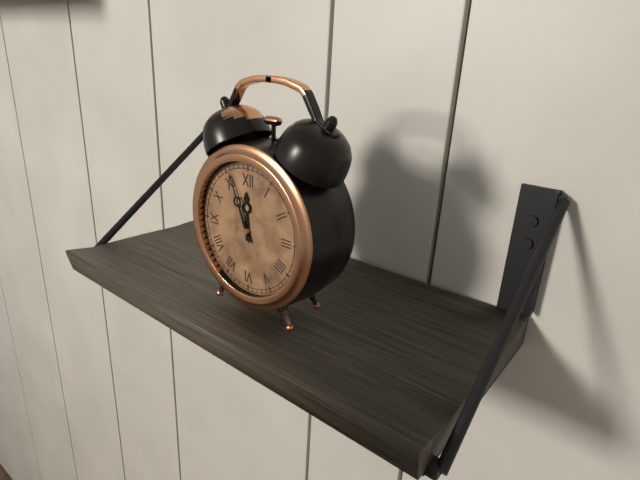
11.56
